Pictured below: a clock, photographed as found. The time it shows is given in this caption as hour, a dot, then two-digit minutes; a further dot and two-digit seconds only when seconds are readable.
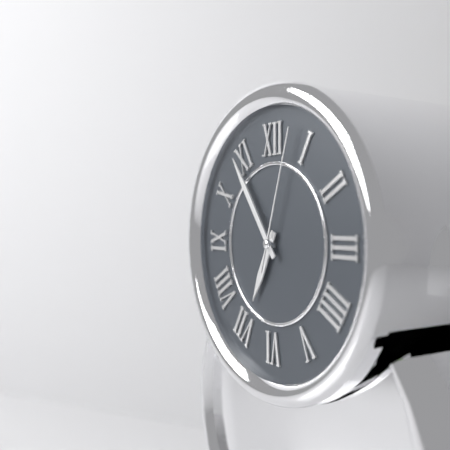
6.54.03
